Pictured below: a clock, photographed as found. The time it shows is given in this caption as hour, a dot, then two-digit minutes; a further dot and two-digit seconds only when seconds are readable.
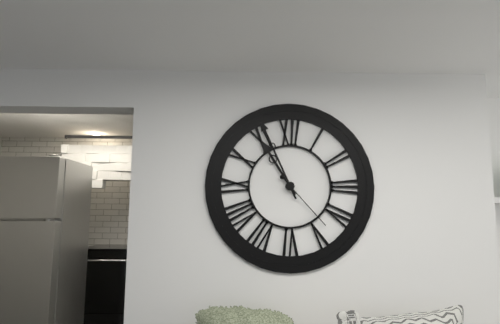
10.56.23
